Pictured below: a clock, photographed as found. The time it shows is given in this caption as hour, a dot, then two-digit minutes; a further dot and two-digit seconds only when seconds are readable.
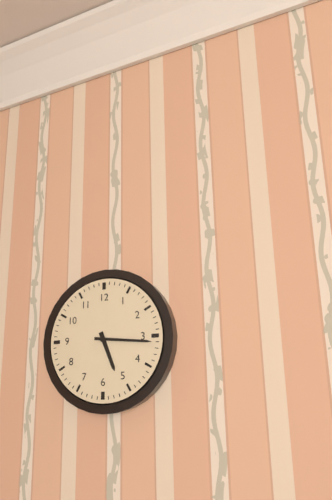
5.16
